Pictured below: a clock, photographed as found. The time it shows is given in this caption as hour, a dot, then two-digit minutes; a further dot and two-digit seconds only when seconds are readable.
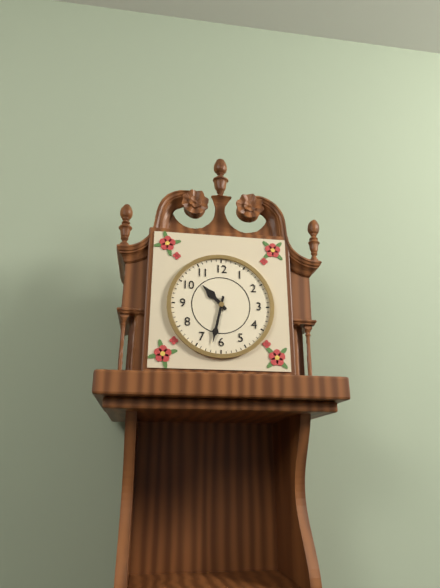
10.32
